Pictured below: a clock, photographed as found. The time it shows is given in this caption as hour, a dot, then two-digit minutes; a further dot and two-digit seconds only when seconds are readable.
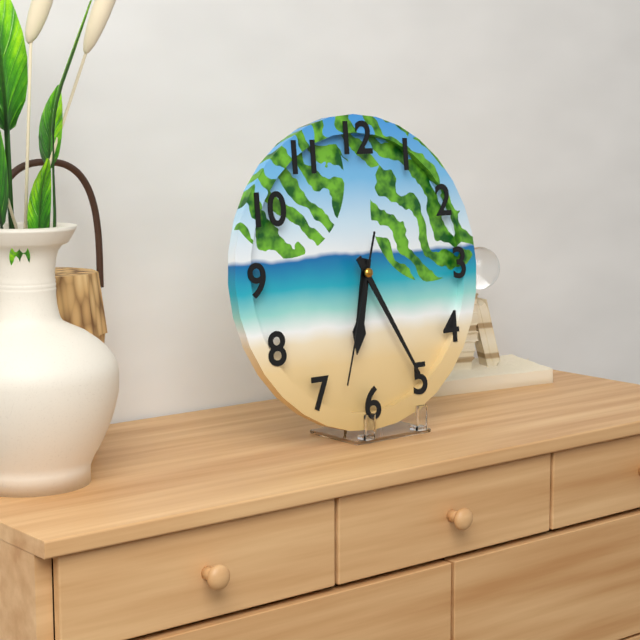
6.25.33
